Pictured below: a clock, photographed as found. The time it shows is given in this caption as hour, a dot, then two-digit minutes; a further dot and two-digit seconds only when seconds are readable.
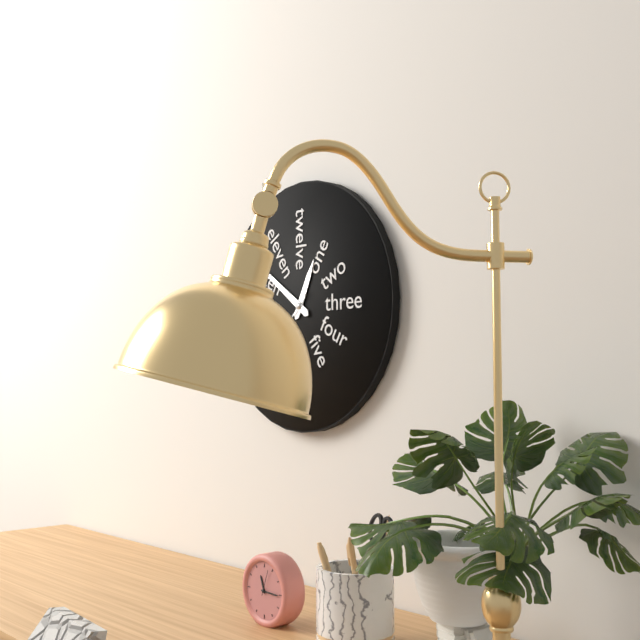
12.51
